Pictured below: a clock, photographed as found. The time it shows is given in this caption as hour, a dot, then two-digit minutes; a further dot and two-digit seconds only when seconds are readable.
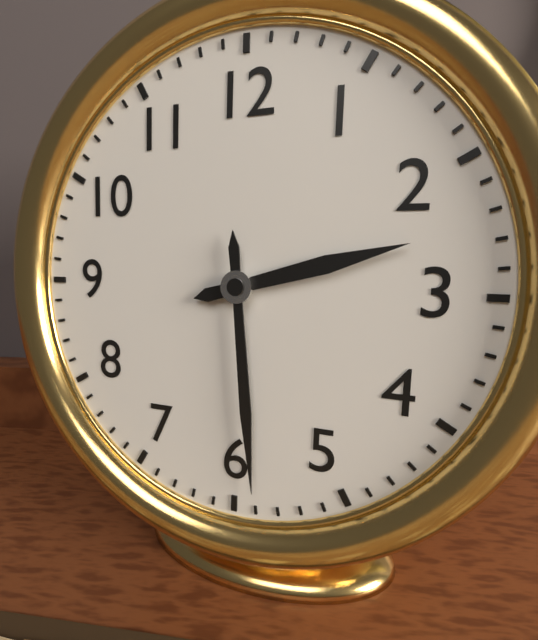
2.29
